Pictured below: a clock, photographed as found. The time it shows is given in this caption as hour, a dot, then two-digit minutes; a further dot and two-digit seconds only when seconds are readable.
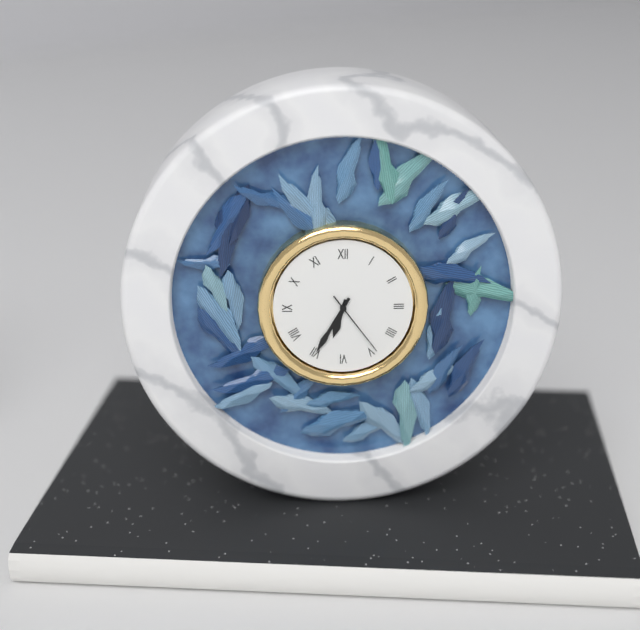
6.35.24
